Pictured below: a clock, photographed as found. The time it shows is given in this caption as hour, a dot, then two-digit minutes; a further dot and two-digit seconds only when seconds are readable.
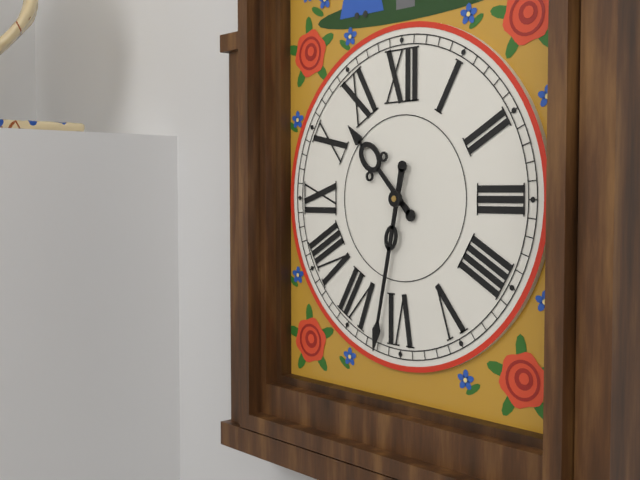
10.32
